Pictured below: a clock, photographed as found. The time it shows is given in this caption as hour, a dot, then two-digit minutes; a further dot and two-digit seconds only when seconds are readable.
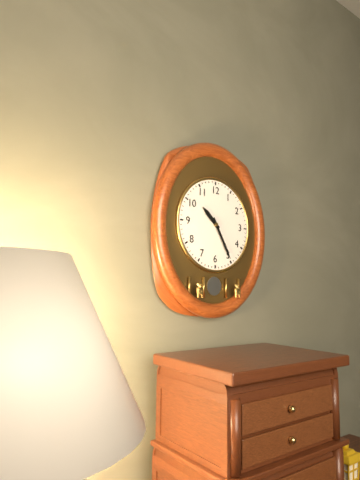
10.25
